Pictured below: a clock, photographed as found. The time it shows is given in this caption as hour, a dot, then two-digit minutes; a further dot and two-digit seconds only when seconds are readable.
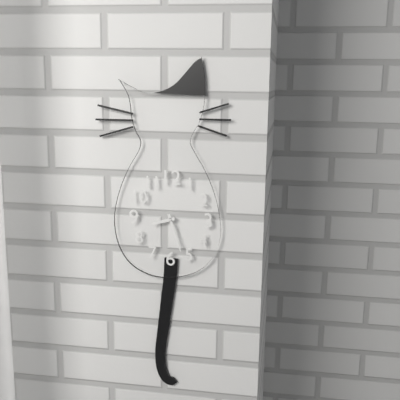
8.27
